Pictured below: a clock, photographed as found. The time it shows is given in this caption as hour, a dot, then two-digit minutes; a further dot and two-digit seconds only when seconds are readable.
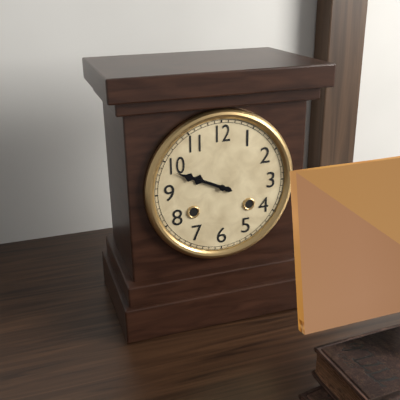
9.49
